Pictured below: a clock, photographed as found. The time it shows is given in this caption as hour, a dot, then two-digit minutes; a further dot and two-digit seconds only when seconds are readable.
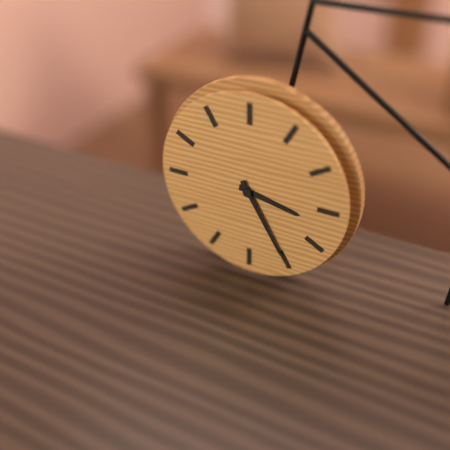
3.25
